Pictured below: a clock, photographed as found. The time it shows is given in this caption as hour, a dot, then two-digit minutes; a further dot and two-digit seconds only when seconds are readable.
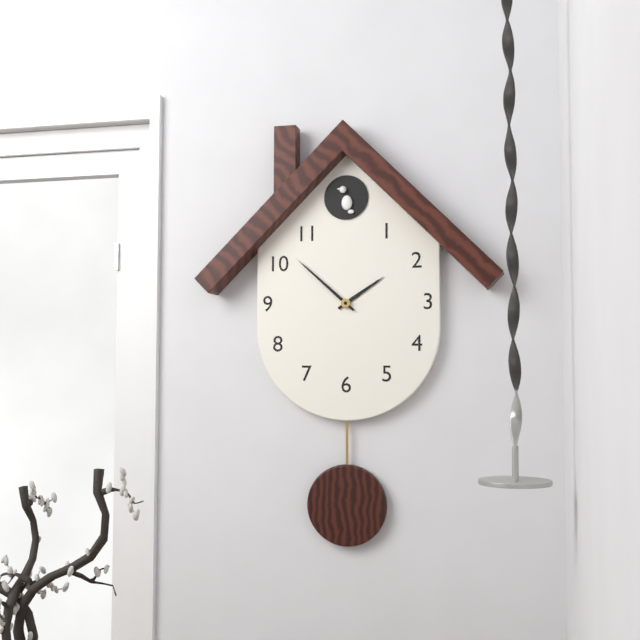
1.52
